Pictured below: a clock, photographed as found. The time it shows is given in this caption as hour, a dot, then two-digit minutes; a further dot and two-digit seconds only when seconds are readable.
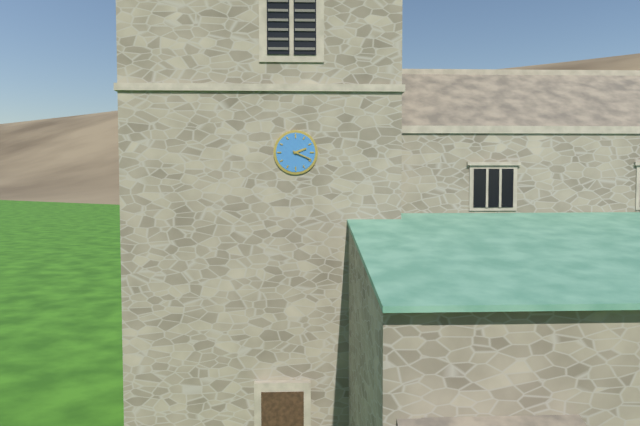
2.19
